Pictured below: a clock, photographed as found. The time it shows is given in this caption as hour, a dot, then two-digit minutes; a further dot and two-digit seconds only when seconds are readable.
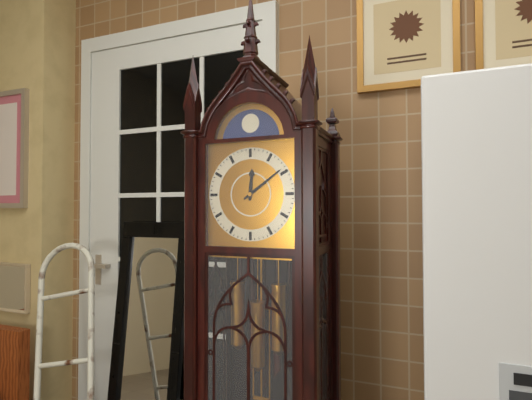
12.09
